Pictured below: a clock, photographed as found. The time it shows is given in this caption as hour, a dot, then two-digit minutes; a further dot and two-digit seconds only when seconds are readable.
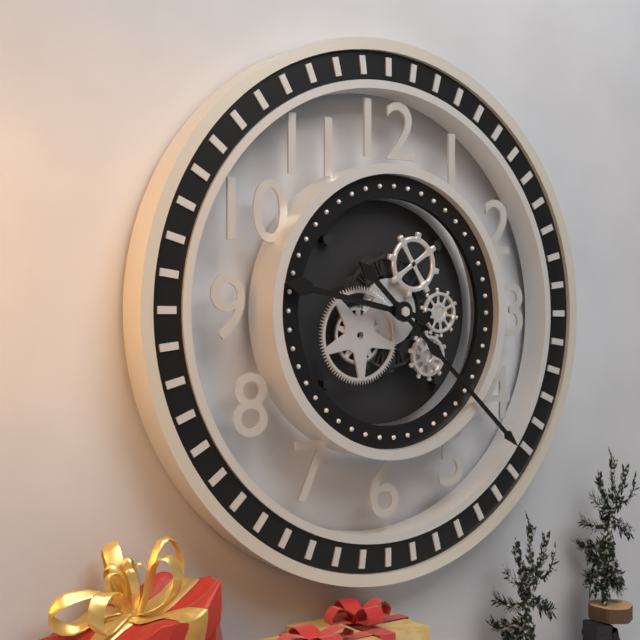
9.22
